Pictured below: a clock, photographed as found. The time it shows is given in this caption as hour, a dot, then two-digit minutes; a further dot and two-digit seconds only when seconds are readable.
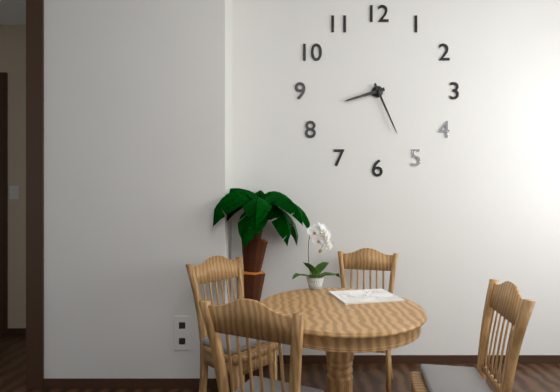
8.26
